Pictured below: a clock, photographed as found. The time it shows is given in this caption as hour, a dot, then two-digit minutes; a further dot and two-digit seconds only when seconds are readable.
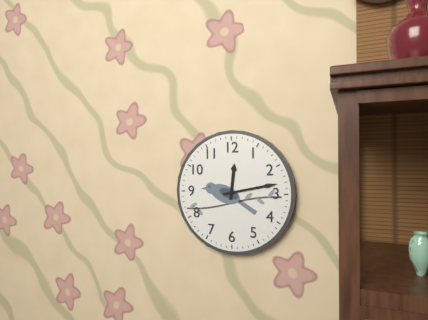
12.13
